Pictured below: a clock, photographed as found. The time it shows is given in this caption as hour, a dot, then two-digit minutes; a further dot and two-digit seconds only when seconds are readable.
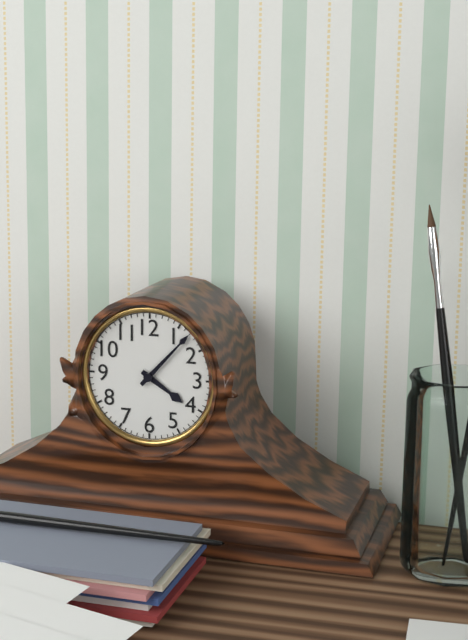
4.07
